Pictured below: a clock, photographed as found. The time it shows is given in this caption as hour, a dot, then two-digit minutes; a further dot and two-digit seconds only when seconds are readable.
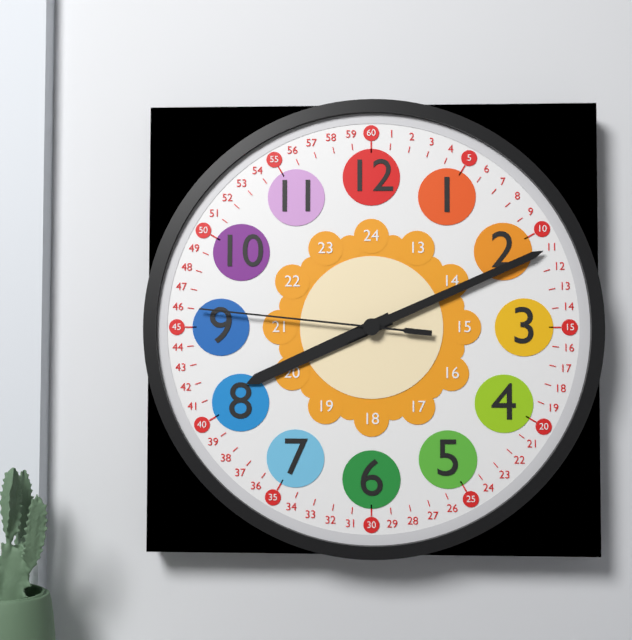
8.11.46
